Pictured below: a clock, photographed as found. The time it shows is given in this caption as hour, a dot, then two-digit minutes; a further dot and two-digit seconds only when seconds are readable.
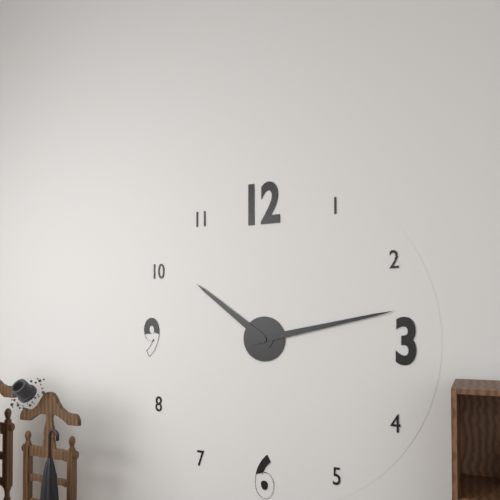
10.13
